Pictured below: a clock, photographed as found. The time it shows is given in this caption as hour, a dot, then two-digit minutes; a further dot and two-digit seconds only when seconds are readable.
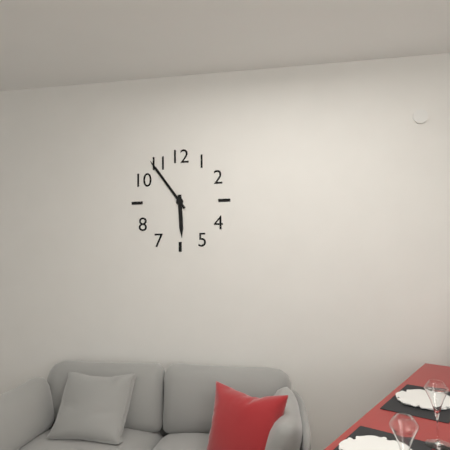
5.54
